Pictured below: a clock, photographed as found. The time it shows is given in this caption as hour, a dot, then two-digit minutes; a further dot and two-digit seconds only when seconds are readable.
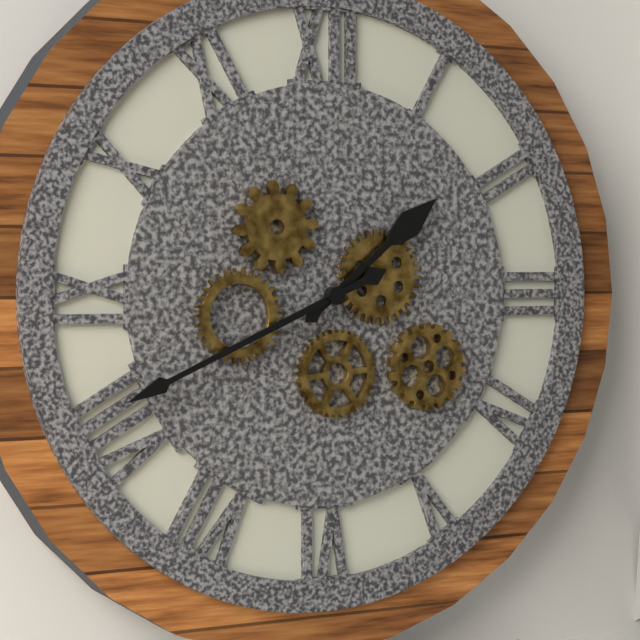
1.41
